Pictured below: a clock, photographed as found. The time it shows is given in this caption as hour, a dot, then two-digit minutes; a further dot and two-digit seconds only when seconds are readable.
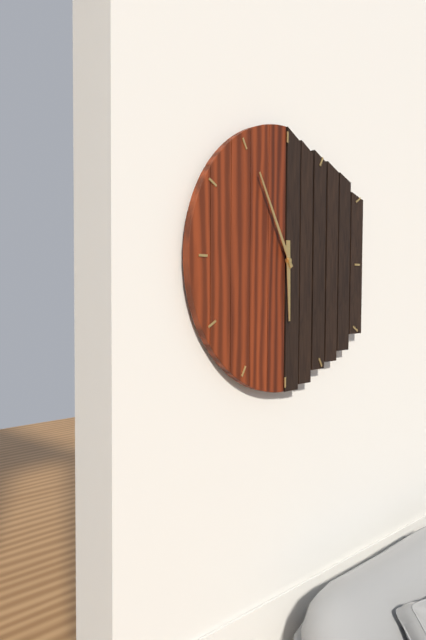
5.55
